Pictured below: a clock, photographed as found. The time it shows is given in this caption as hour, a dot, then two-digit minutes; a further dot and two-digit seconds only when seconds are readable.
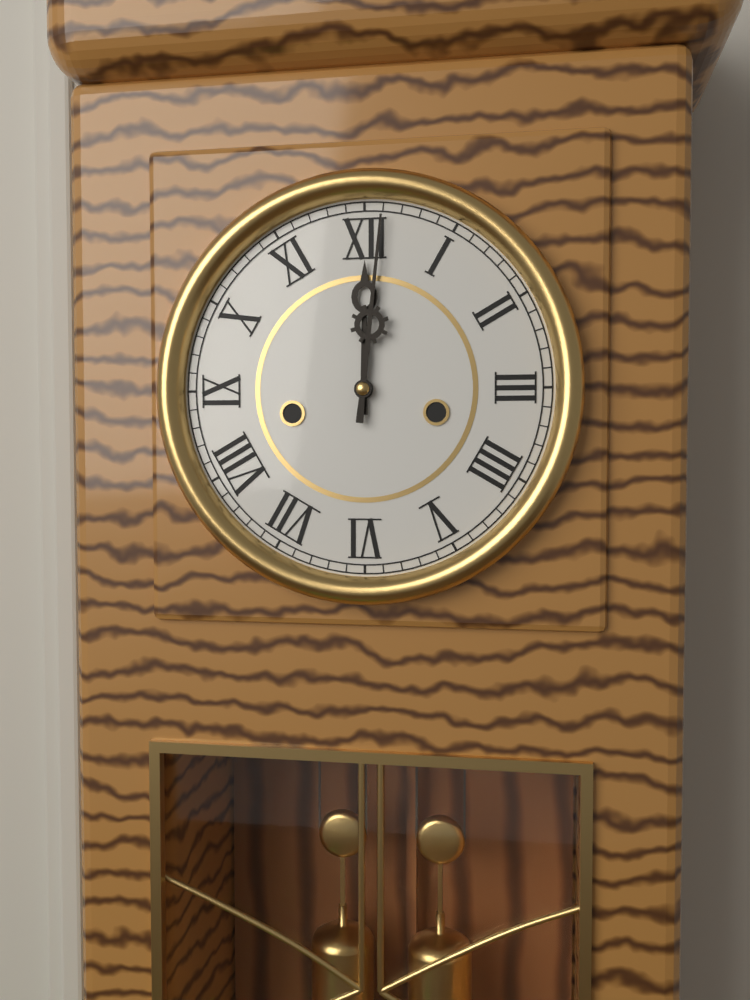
12.01
